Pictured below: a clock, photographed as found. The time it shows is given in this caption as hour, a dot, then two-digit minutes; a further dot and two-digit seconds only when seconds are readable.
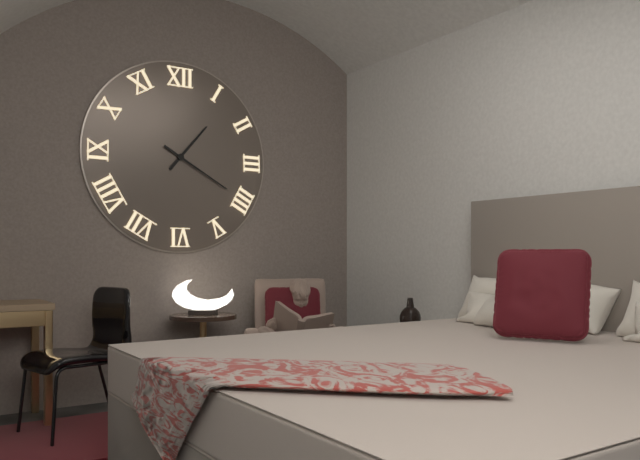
1.20
